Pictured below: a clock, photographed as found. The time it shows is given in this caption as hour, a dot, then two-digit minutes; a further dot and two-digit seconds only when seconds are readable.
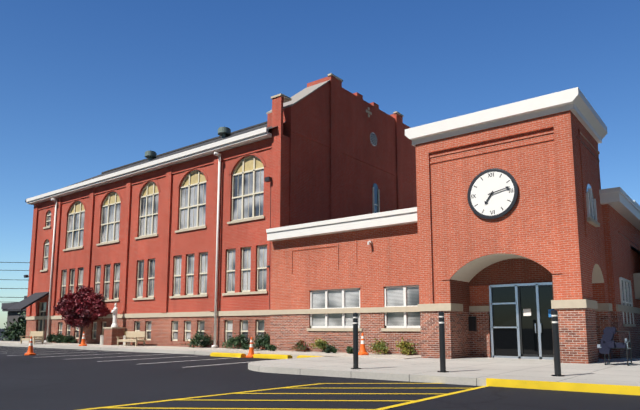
7.13
